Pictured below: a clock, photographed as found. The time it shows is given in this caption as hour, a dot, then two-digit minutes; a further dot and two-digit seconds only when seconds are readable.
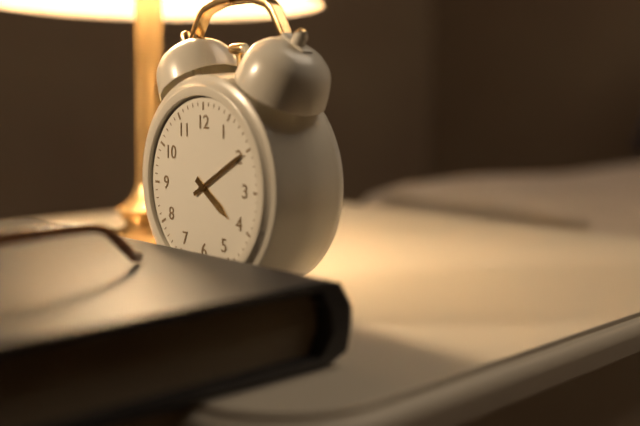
4.10
